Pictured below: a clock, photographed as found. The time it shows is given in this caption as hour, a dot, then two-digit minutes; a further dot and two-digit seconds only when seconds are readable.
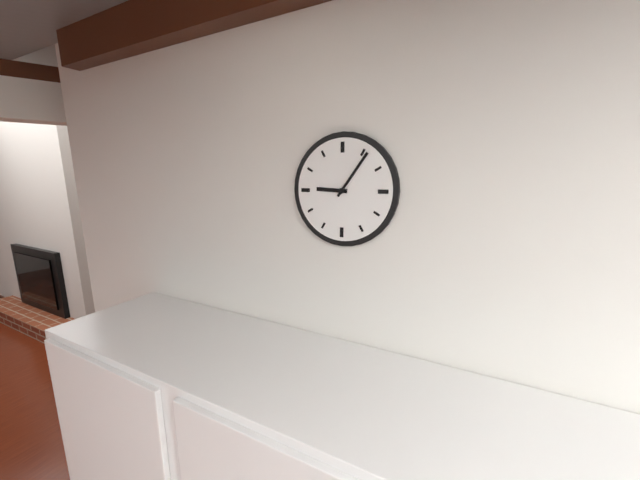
9.06
